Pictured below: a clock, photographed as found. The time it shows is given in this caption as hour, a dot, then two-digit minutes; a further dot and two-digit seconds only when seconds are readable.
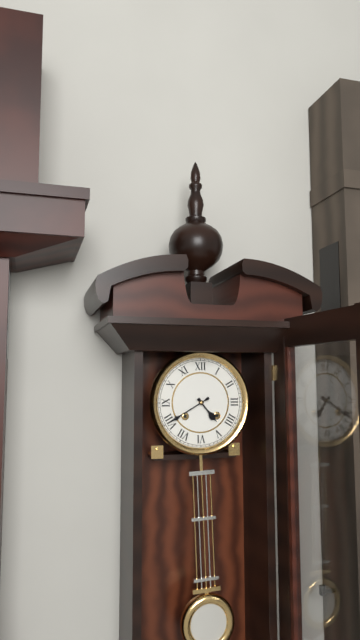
4.40
